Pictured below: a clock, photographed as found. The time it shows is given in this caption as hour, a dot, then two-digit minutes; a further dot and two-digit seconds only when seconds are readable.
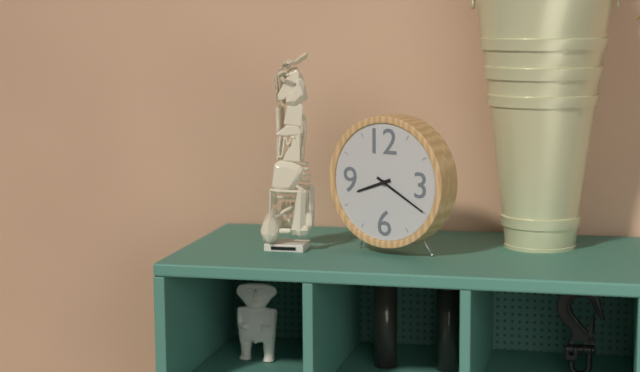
8.20
